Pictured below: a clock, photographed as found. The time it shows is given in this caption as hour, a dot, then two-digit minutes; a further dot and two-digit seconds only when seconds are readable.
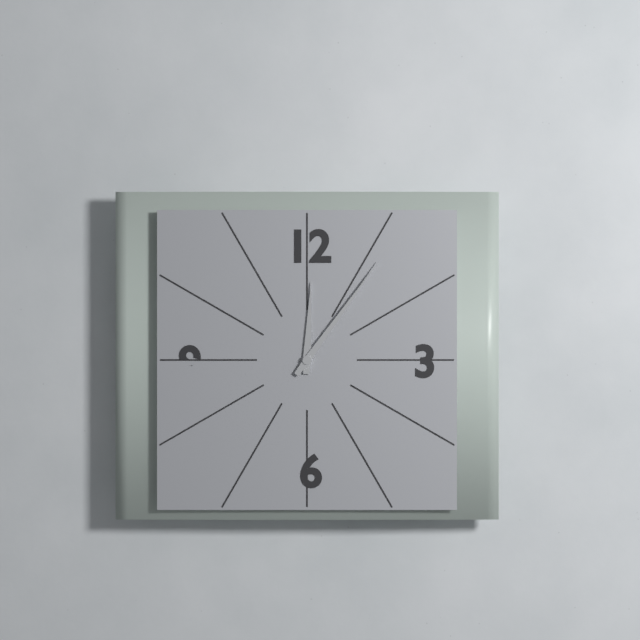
12.06
